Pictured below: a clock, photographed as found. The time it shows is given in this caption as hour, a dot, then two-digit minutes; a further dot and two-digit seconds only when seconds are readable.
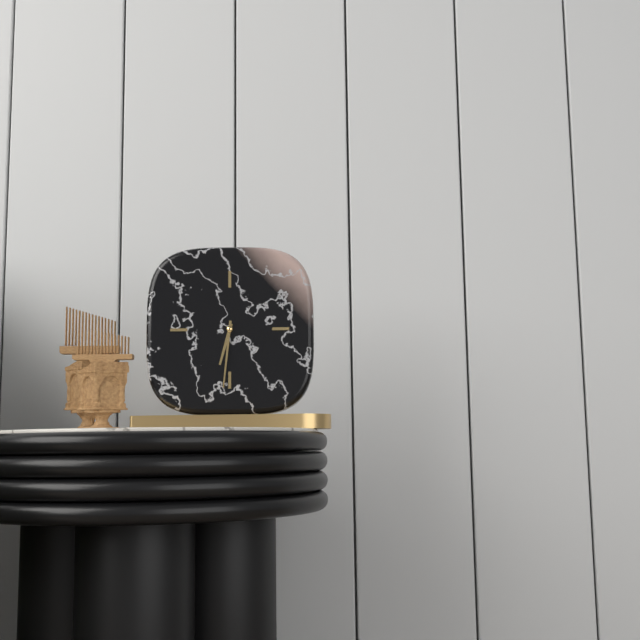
6.31
